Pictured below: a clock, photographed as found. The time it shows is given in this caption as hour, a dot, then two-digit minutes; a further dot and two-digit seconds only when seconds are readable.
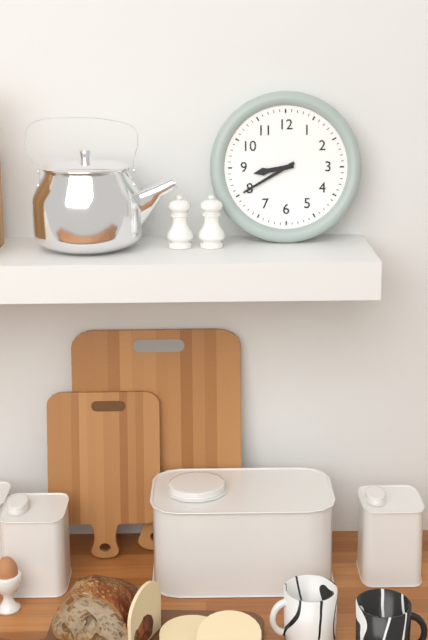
8.40
